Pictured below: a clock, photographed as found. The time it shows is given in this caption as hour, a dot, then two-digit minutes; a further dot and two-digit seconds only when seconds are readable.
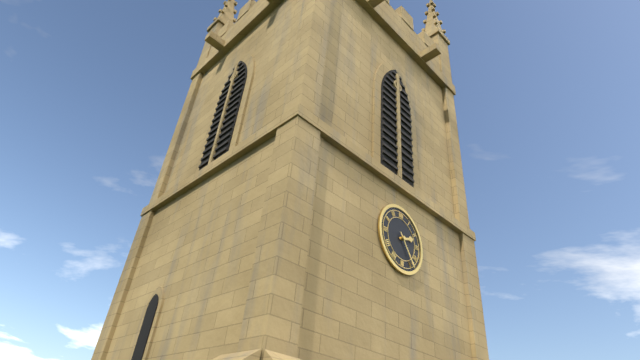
2.24
